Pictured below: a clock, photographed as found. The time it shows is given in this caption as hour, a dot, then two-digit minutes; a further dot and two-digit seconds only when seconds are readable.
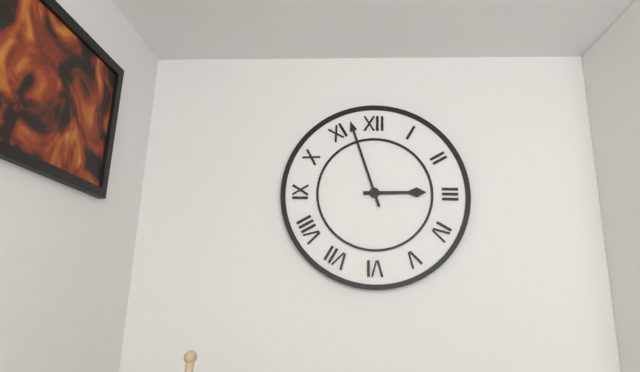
2.57
